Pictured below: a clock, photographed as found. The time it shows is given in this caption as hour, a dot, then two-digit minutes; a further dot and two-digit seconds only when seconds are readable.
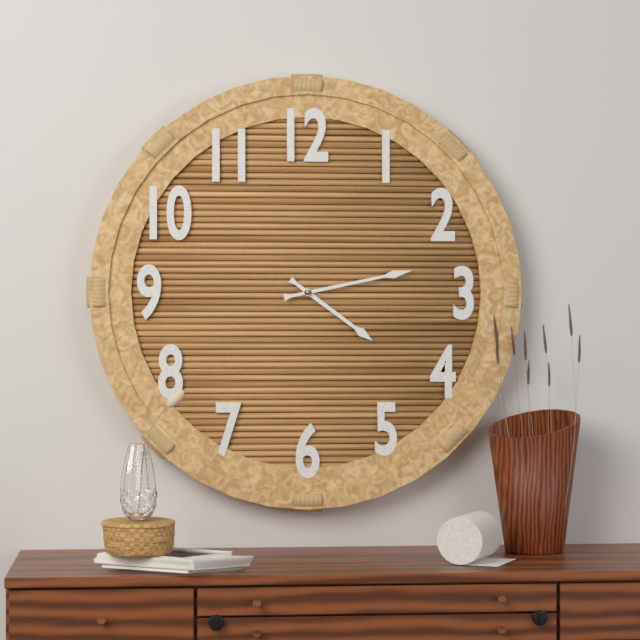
4.13
